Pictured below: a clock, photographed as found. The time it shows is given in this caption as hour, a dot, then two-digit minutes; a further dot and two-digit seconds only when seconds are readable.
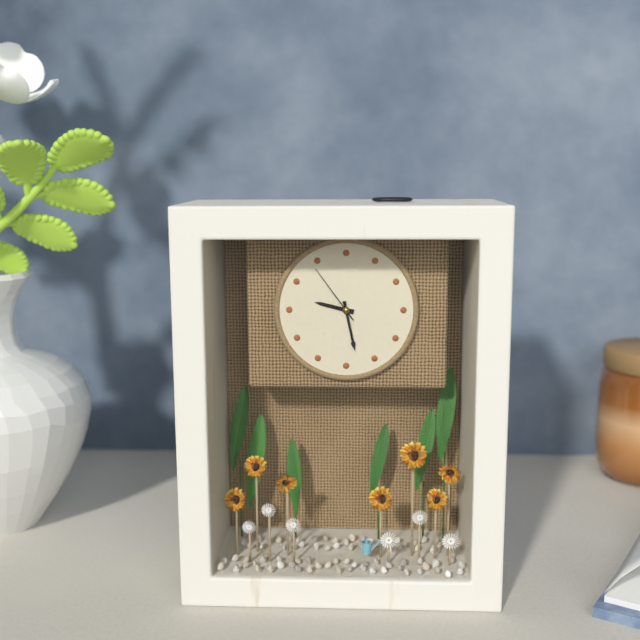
9.28.54
